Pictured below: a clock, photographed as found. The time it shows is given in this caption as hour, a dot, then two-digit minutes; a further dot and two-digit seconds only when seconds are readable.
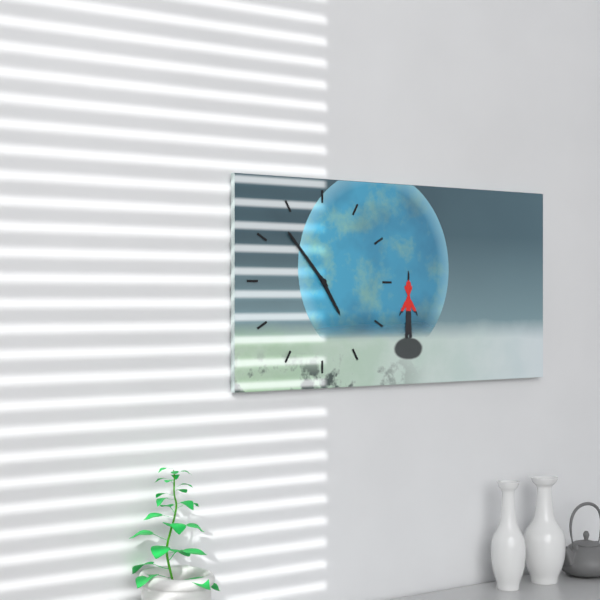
4.53
